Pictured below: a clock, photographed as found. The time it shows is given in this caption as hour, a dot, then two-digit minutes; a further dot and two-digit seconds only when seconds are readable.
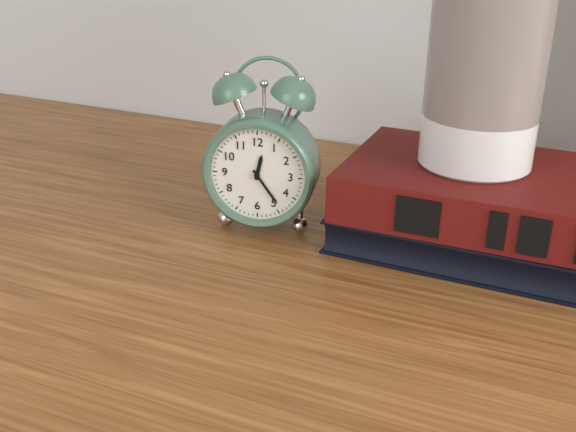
12.24
